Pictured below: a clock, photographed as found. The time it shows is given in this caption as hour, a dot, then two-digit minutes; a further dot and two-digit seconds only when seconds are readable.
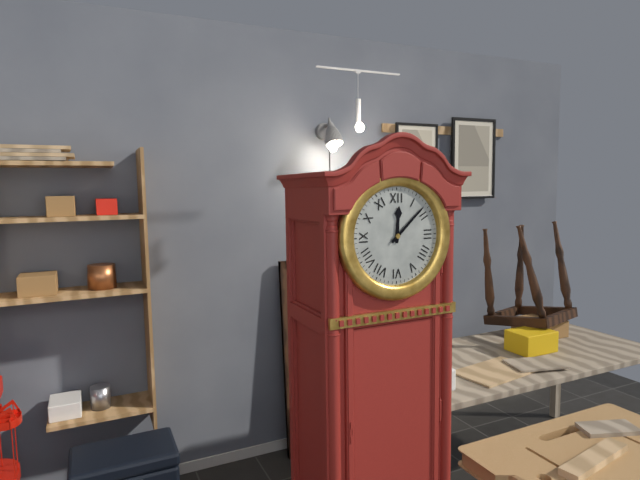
12.08
